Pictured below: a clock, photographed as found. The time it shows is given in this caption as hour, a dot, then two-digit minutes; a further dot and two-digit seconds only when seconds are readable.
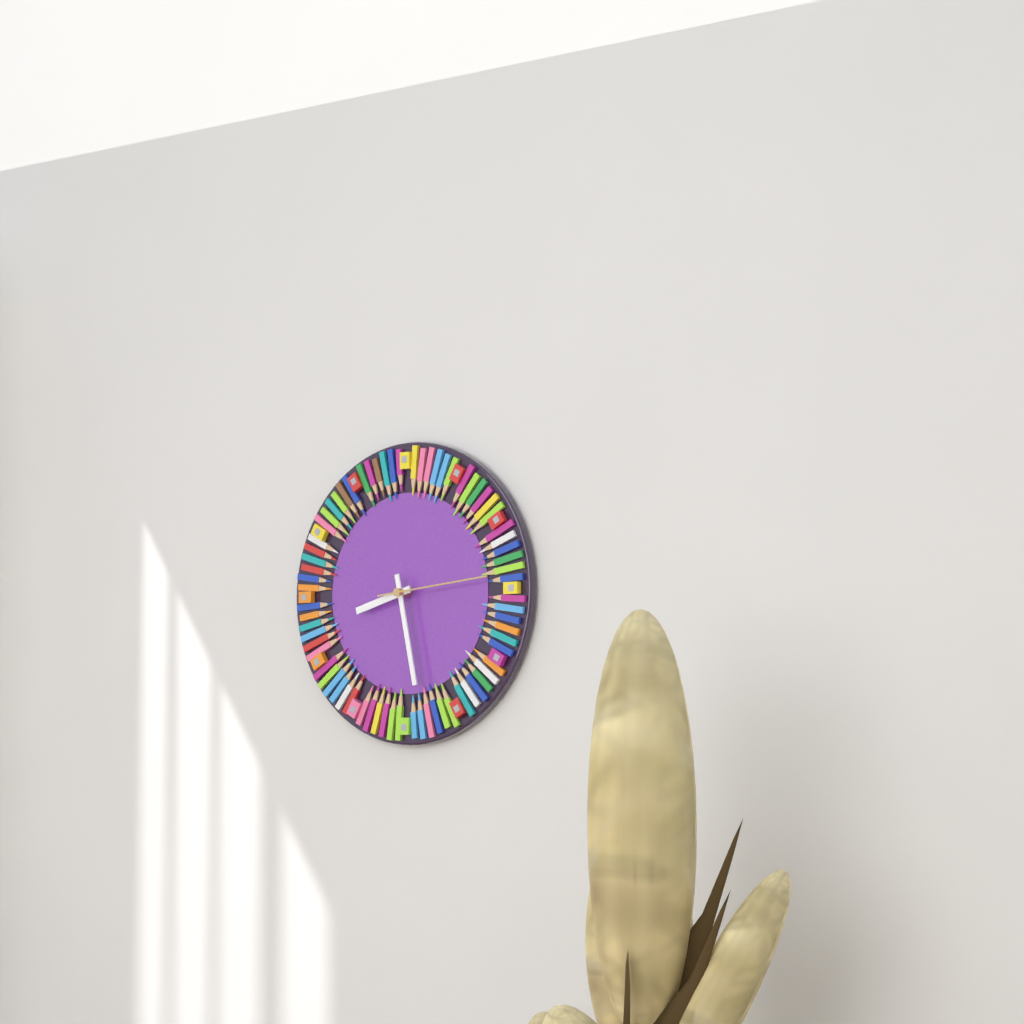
8.28.14
